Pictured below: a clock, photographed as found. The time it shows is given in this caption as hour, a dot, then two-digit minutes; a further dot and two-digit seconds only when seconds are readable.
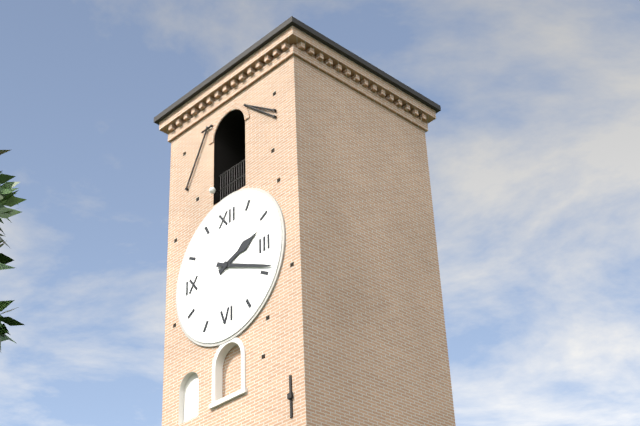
2.19
